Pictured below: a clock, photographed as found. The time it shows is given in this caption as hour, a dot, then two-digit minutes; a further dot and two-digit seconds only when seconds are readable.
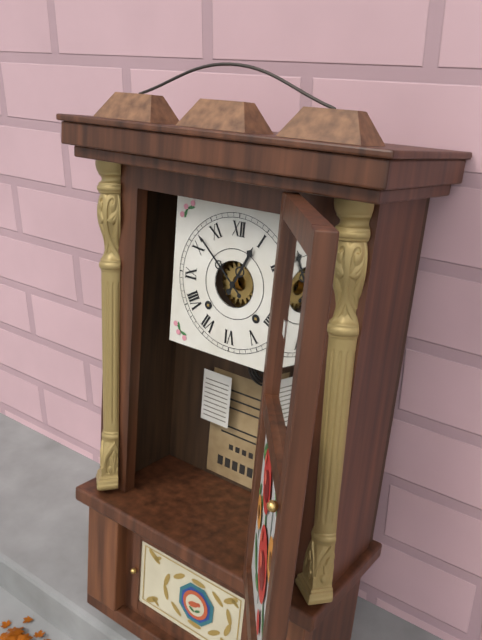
12.52
